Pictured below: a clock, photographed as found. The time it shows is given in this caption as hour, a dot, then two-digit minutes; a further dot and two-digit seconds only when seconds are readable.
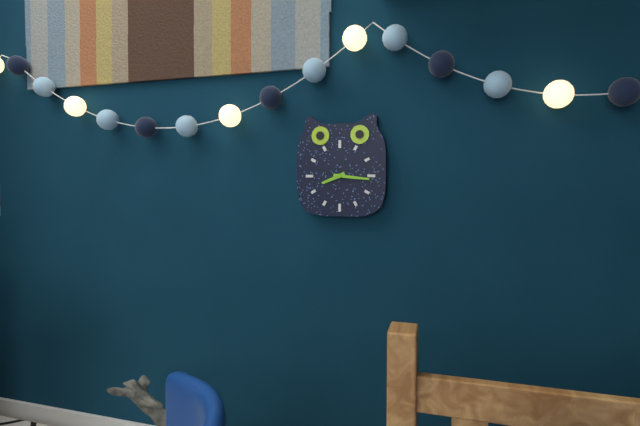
8.16
